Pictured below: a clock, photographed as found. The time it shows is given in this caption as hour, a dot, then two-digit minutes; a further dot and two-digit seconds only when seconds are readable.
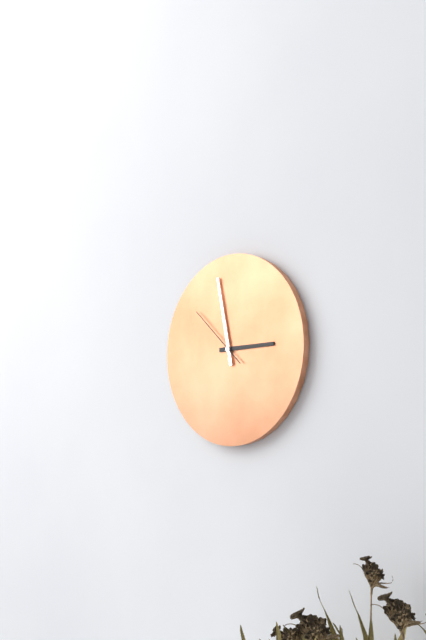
2.58.52
